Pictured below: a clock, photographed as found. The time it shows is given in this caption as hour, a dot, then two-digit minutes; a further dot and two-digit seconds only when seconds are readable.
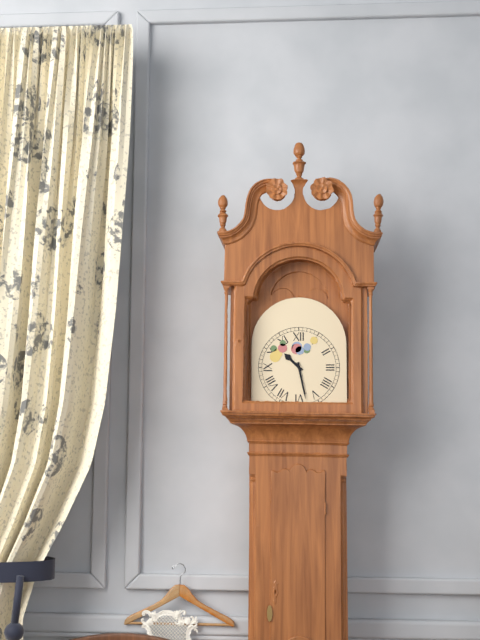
10.28
